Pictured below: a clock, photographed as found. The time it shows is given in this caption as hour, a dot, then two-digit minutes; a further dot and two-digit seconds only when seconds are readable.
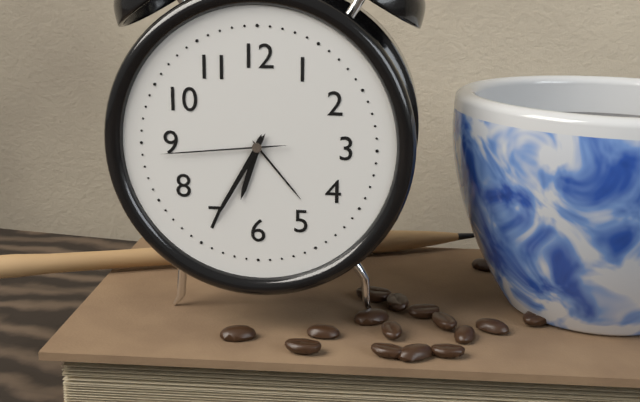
6.35.44
